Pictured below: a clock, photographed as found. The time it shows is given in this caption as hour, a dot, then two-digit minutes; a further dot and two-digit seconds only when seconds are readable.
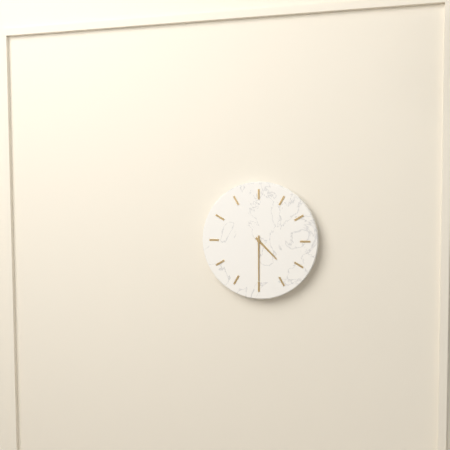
4.30
